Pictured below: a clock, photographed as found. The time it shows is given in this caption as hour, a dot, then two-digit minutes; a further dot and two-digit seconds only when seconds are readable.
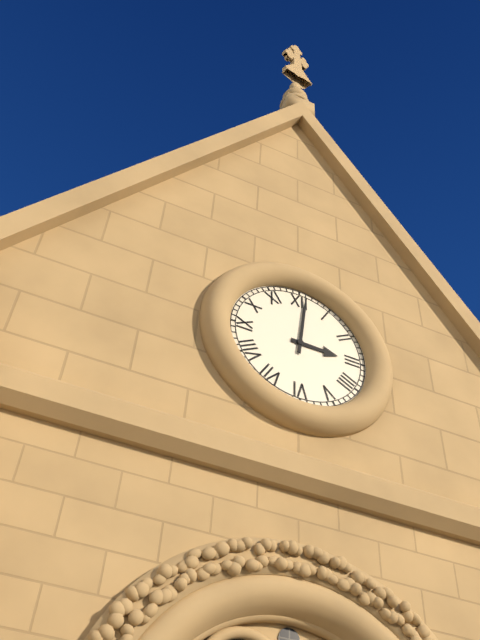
3.01
